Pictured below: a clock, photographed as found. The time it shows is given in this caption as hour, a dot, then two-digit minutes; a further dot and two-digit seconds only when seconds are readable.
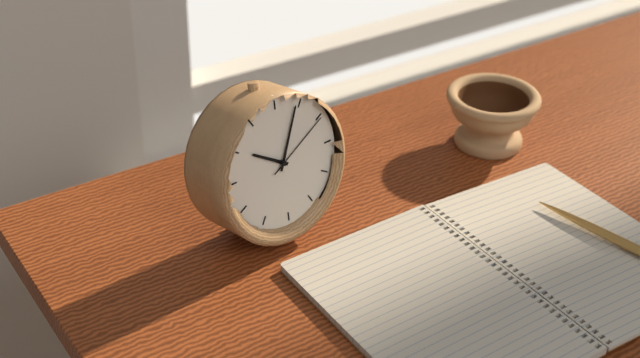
10.04.10
